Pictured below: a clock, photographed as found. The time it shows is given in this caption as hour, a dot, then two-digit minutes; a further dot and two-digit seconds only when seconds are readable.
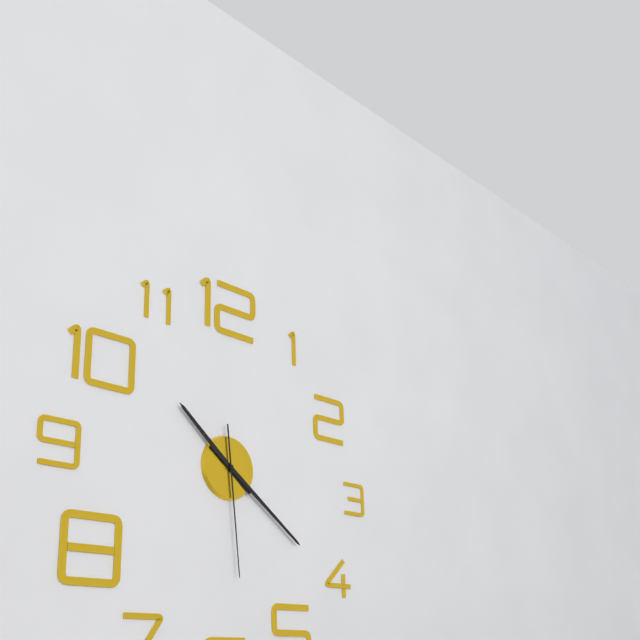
10.21.29
